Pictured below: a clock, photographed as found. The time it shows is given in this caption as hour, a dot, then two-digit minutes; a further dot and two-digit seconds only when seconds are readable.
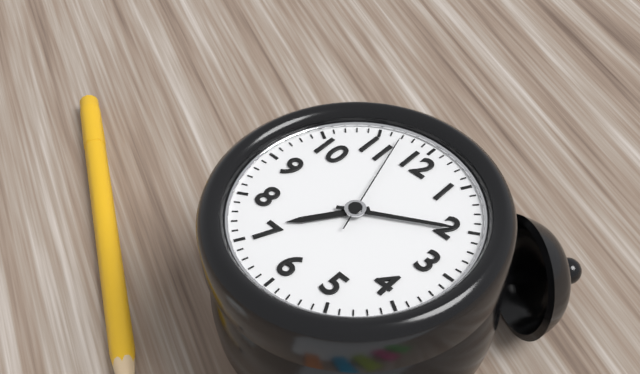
7.10.57
